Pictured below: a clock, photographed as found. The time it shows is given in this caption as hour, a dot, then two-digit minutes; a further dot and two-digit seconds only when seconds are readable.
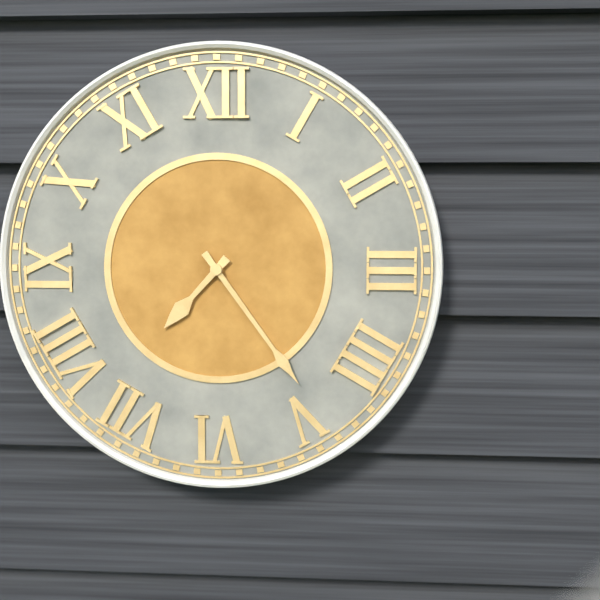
7.24
